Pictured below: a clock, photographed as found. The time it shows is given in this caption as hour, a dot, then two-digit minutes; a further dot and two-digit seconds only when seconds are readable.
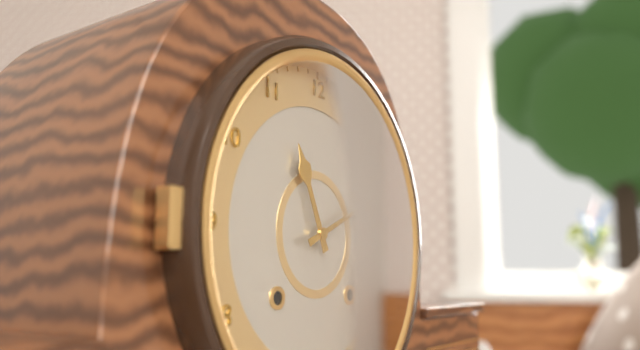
11.11
